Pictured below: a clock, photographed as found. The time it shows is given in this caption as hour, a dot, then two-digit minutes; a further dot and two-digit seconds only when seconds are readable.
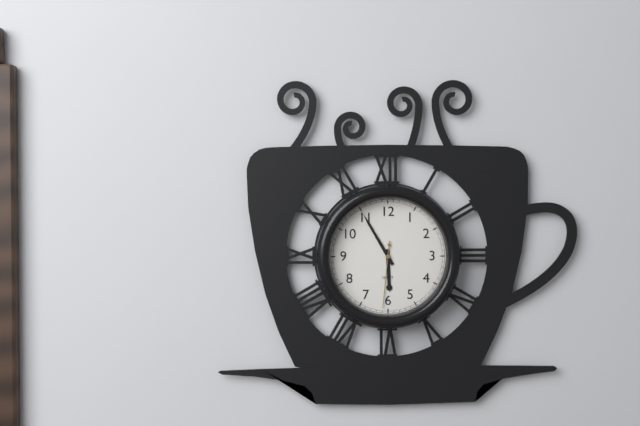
5.55.31
